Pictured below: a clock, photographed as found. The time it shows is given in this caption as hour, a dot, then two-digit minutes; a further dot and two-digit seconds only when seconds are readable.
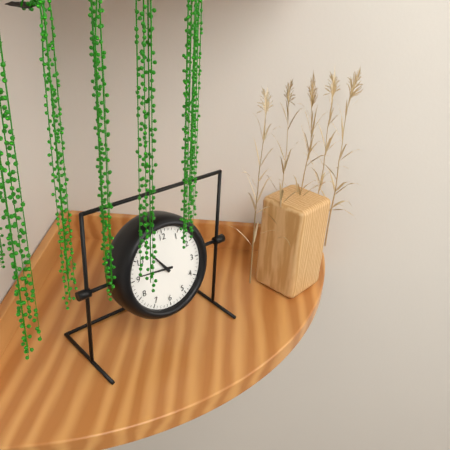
10.46
